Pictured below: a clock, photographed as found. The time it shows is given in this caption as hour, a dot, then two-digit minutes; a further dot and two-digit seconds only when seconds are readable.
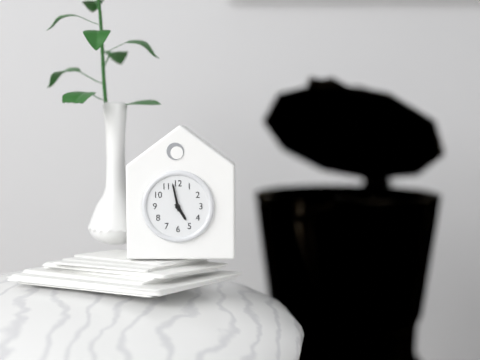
4.58
